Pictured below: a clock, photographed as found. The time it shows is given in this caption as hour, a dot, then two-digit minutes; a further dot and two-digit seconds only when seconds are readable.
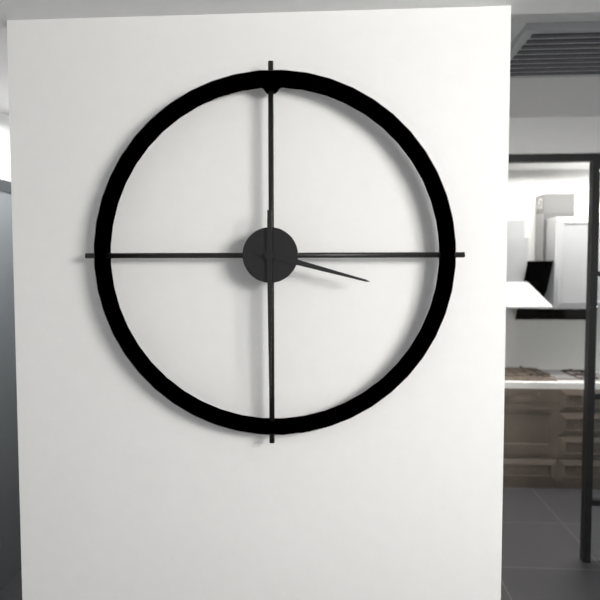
3.30
